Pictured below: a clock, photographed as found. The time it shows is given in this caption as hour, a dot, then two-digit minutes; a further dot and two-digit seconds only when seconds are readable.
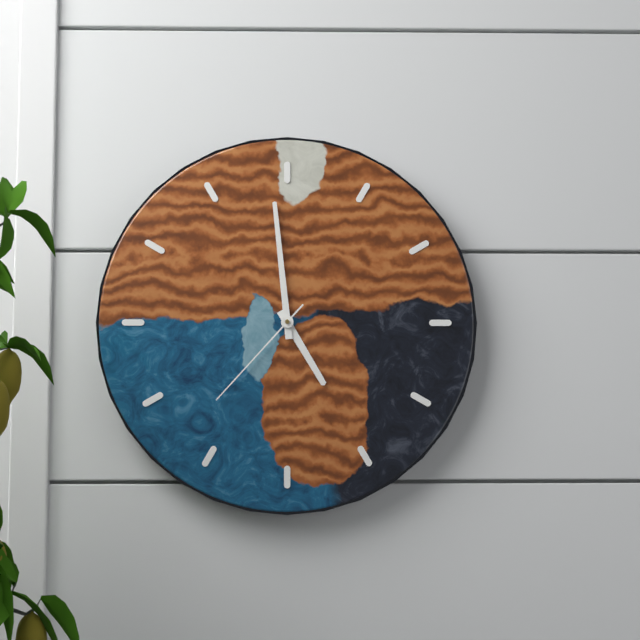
4.59.37
